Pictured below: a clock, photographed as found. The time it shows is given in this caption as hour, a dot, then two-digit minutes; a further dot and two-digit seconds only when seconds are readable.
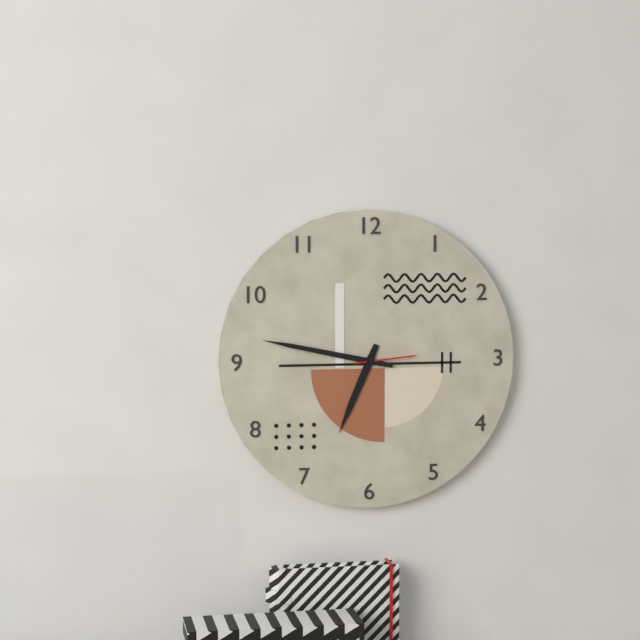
6.47.14
